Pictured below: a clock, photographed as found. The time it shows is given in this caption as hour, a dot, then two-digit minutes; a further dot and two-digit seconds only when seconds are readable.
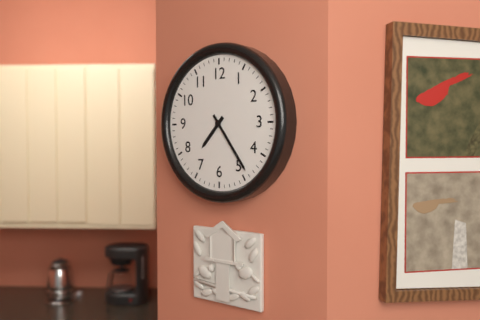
7.24
